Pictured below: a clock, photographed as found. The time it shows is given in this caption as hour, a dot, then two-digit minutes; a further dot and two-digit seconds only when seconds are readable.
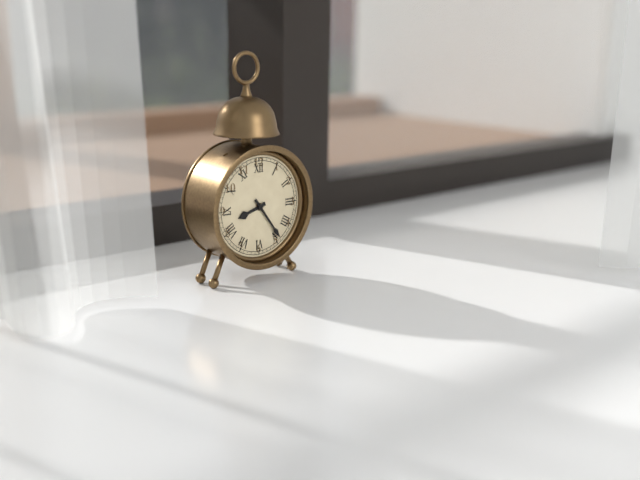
8.24
